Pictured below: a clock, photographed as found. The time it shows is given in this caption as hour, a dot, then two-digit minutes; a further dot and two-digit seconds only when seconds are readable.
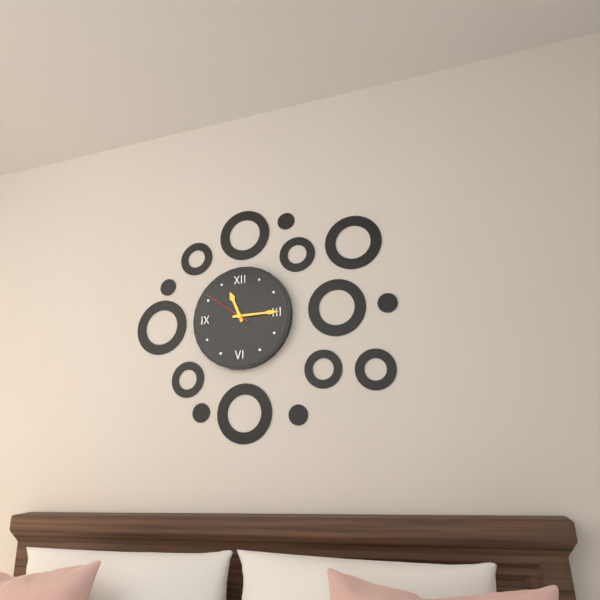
11.15
